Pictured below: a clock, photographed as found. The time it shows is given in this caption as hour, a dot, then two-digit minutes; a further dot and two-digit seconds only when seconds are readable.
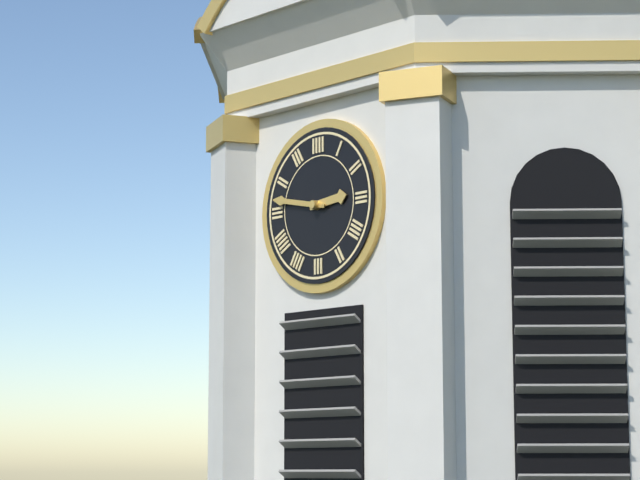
2.47
